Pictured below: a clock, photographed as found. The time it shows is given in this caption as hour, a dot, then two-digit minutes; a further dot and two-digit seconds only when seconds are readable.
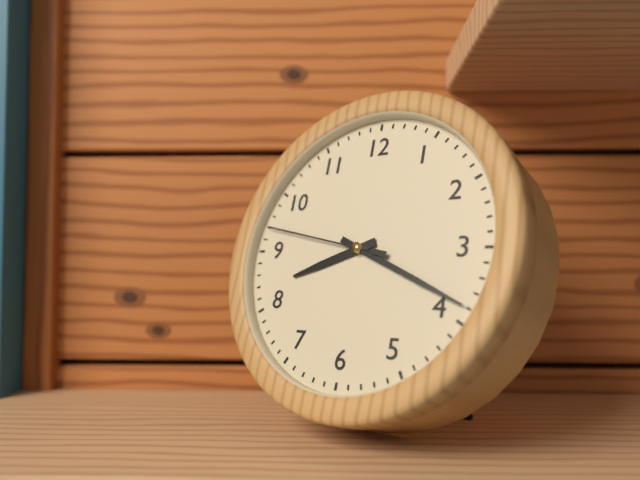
8.19.47
